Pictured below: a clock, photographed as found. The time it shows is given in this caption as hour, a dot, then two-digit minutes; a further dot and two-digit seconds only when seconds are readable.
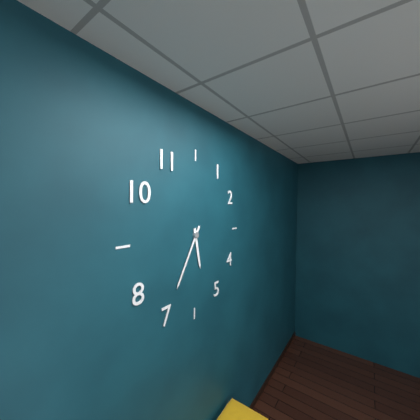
5.35
